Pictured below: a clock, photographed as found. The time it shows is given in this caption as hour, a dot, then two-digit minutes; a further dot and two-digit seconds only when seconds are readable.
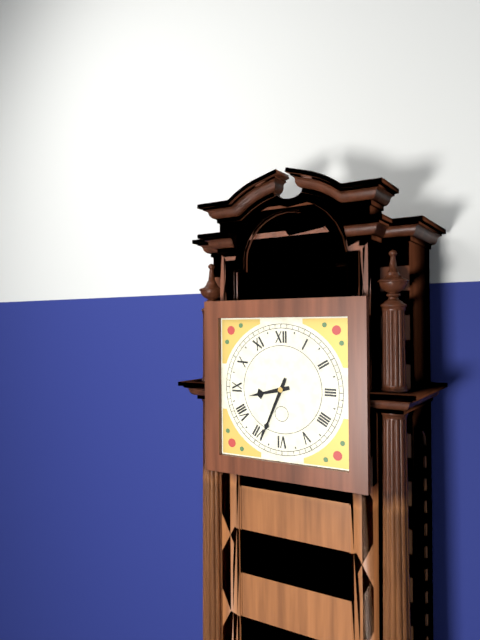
8.34
